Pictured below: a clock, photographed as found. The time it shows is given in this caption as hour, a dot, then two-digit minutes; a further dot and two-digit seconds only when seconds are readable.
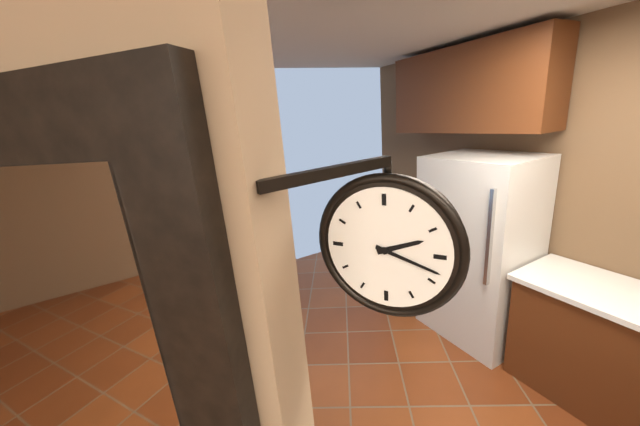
2.18
